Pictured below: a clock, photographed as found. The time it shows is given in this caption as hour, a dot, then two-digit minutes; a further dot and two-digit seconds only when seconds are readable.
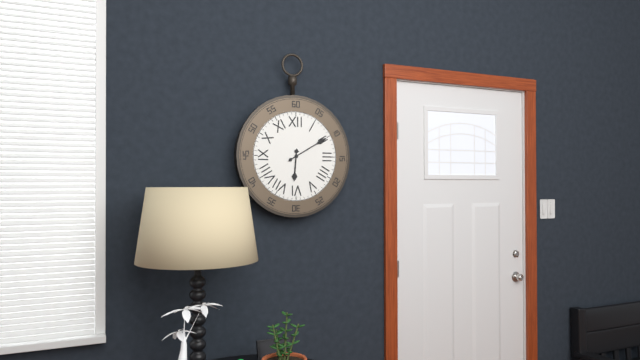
6.10
